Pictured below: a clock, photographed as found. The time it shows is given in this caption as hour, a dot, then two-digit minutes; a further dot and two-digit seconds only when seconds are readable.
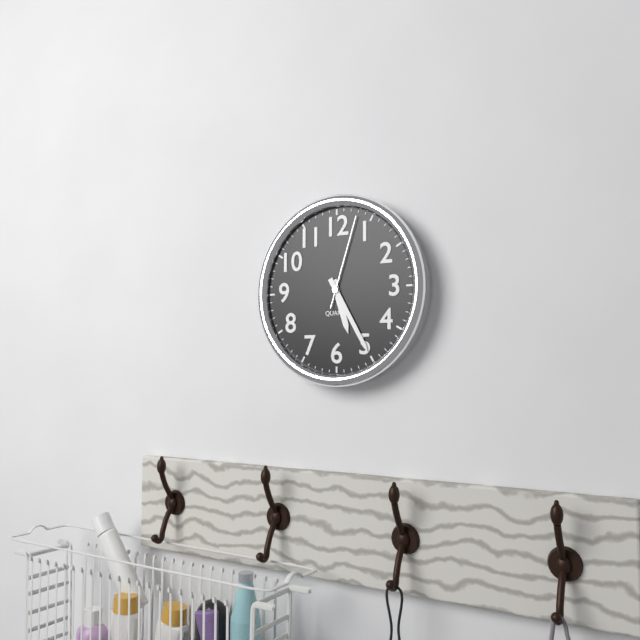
5.25.03
